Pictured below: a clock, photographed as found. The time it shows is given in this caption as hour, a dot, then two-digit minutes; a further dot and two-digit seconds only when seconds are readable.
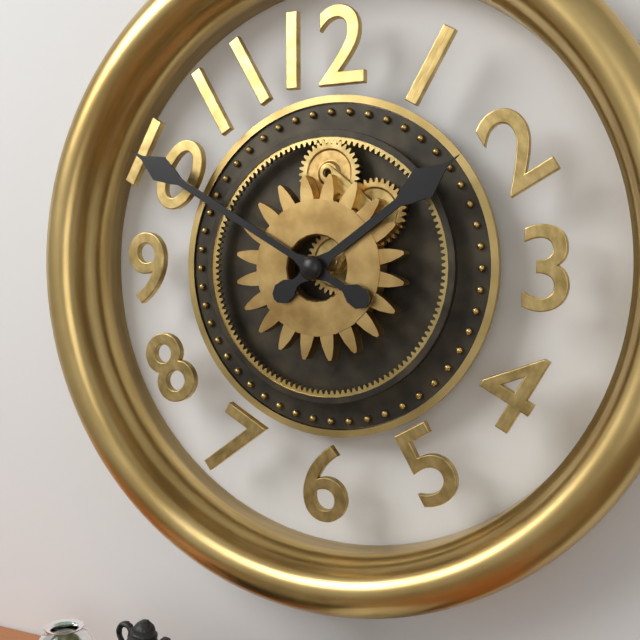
1.50
